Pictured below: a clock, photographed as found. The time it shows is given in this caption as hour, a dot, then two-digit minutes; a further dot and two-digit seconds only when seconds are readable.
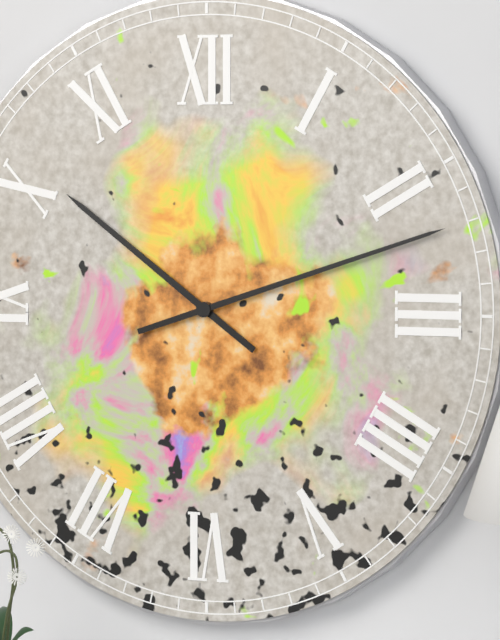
10.12
